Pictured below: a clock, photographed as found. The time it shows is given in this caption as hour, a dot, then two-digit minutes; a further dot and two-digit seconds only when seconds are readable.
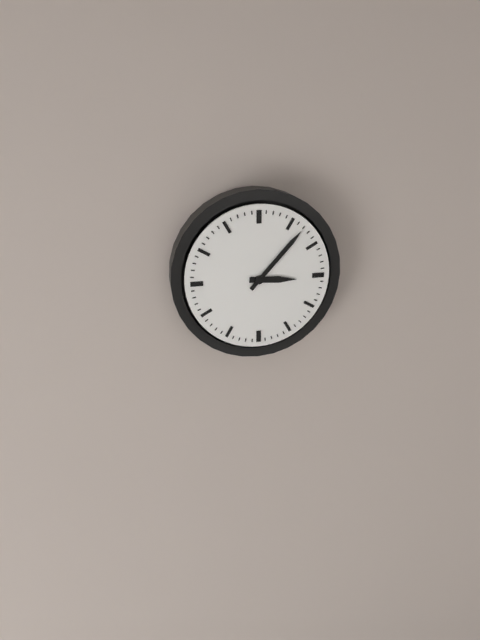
3.07
